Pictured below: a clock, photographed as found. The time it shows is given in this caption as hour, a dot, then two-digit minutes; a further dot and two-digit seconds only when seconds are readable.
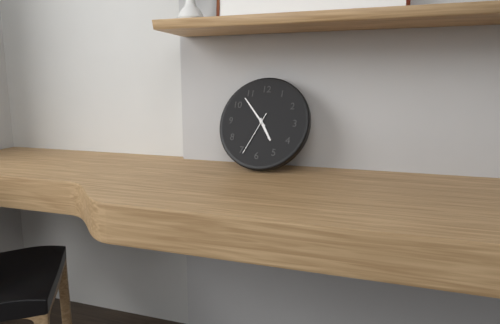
4.53
